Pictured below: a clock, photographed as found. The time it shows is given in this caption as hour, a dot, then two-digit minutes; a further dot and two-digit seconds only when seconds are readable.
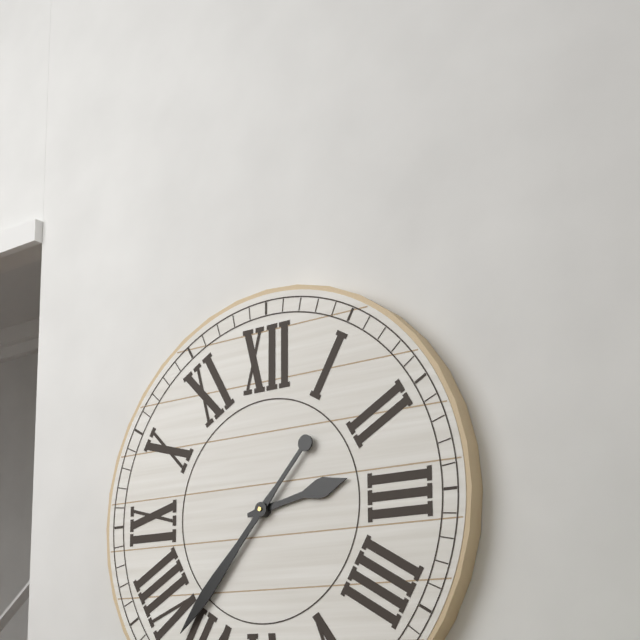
2.37
